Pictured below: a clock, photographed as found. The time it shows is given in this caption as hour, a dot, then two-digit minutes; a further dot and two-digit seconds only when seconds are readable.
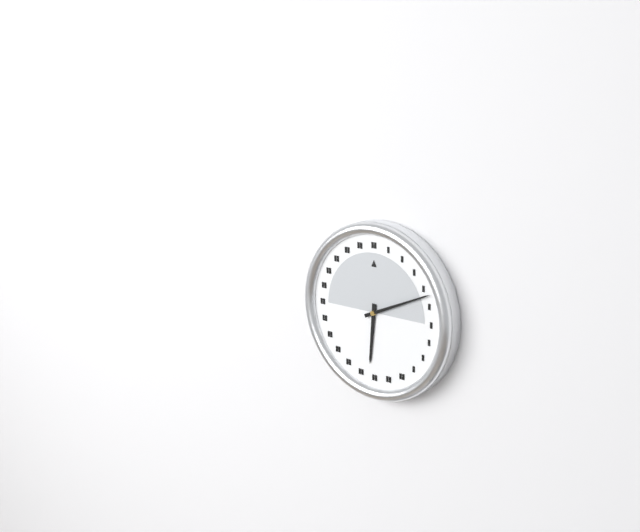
6.11
